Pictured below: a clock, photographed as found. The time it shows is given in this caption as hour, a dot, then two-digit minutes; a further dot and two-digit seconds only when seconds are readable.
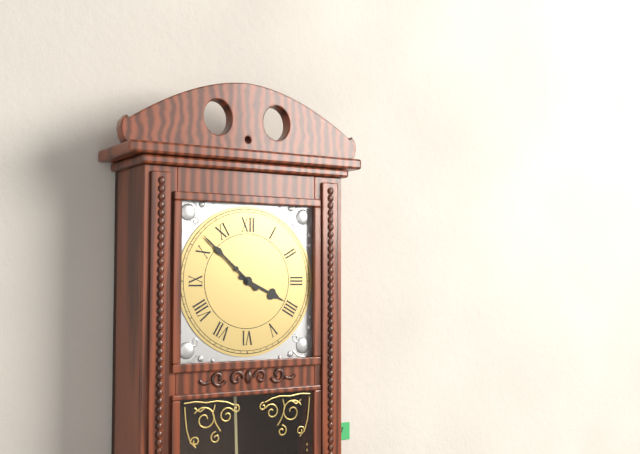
3.52
